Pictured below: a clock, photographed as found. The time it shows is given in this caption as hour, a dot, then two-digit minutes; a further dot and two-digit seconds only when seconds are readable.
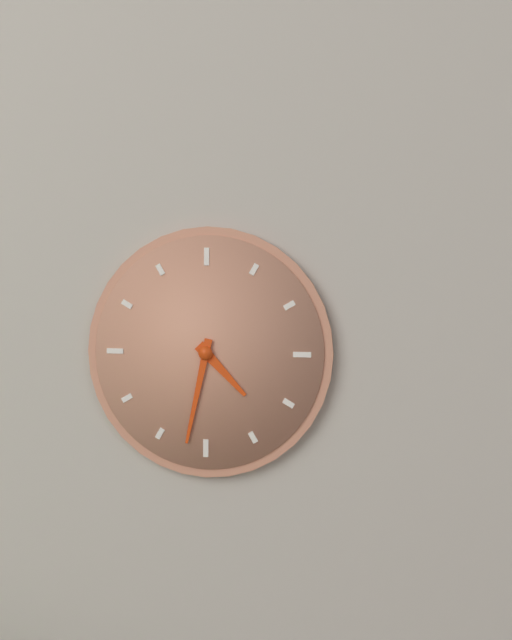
4.32
